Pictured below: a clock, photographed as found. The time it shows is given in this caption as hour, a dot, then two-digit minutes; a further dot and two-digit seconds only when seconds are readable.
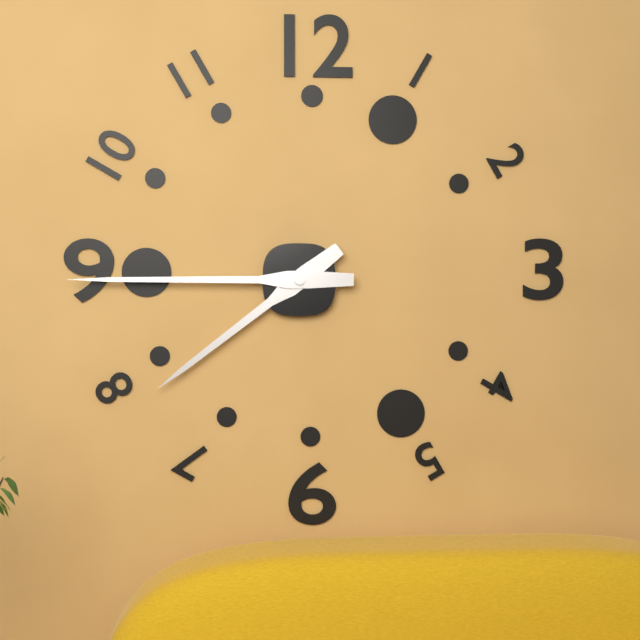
7.45
